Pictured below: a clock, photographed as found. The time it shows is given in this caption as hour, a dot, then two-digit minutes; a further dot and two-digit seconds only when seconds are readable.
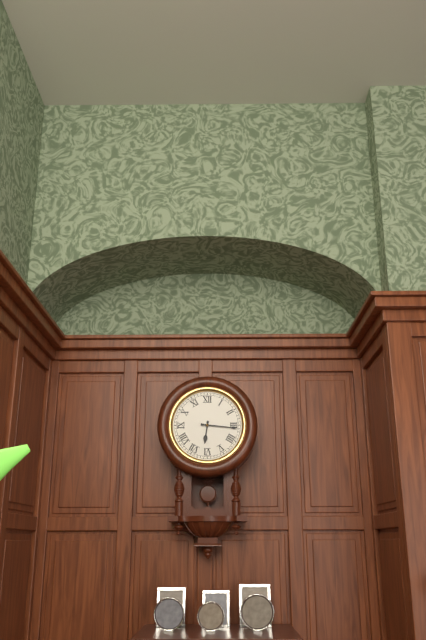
6.16
